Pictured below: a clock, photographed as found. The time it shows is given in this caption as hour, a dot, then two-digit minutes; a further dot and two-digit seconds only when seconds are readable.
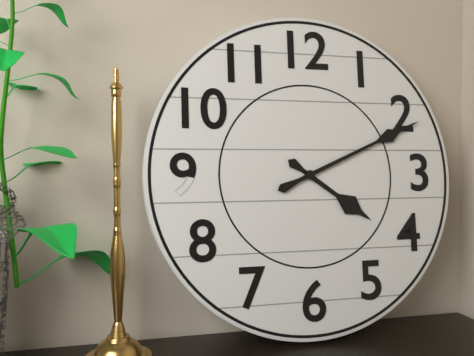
4.11
